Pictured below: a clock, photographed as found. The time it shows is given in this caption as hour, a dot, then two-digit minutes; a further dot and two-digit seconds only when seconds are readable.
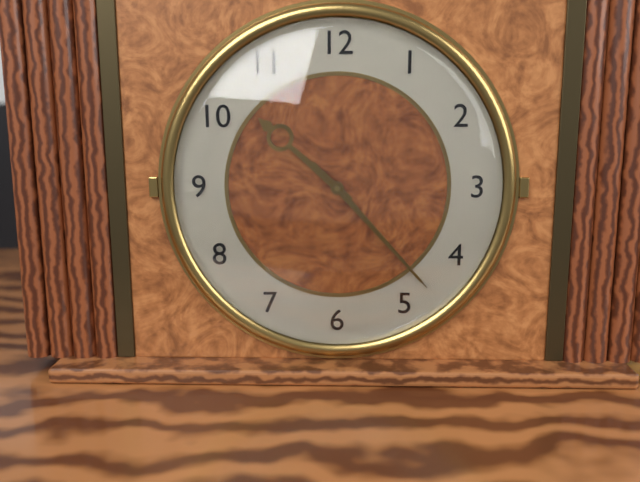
10.23.23
